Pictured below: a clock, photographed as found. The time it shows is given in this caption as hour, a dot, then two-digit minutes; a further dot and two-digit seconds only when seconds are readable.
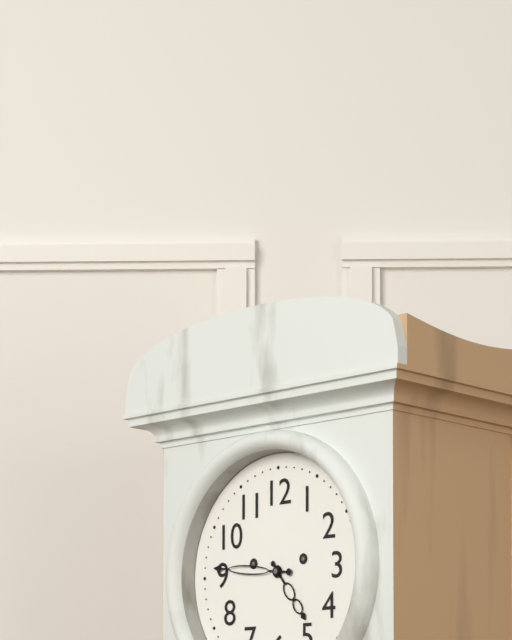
4.46
